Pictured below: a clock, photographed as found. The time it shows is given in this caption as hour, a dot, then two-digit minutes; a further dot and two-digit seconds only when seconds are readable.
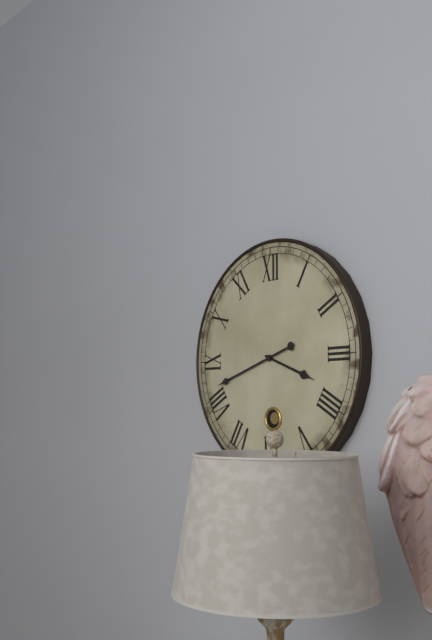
3.42
